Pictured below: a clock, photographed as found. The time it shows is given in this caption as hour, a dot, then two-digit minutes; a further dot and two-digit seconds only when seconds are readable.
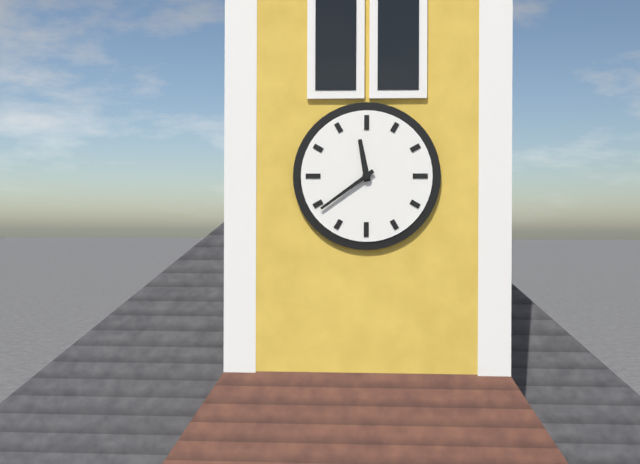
11.39
